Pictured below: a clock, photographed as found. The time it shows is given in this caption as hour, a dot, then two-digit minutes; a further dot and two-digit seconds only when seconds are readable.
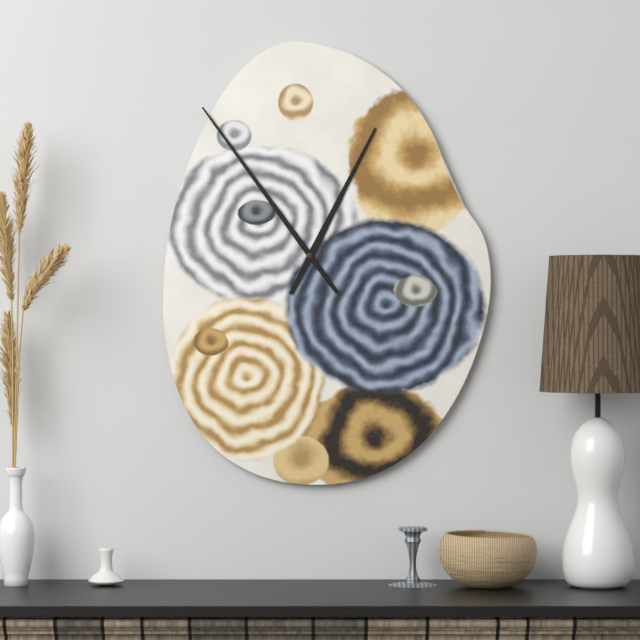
12.54
